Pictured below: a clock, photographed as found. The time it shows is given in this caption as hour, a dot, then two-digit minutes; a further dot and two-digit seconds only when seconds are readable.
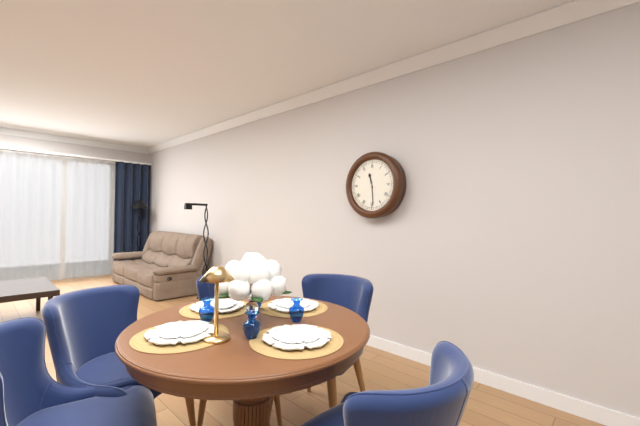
11.29
